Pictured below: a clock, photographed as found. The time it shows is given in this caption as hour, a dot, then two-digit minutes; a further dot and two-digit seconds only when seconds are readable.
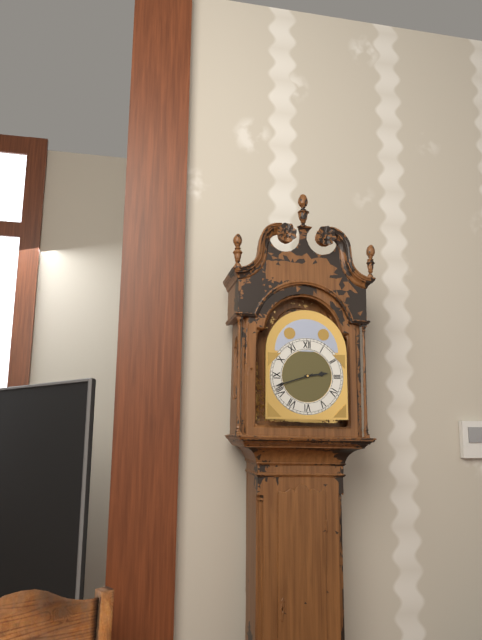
2.42
